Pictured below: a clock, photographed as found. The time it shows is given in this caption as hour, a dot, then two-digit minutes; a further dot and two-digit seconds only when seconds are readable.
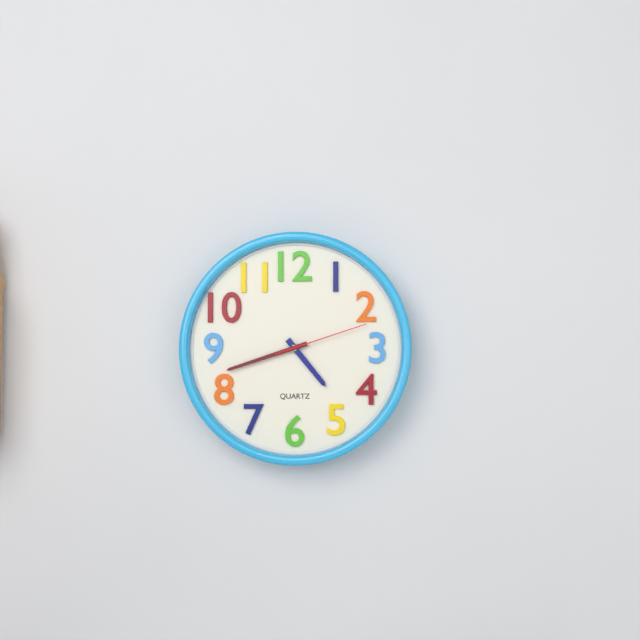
4.42.12
